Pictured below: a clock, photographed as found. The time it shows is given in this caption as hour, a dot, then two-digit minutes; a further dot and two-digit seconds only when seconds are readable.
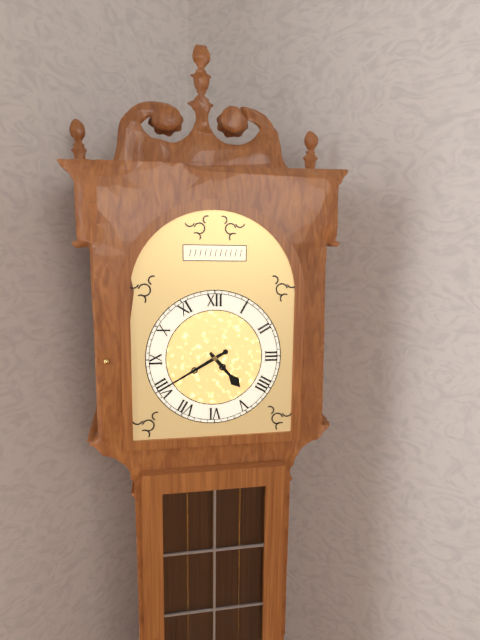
4.40
